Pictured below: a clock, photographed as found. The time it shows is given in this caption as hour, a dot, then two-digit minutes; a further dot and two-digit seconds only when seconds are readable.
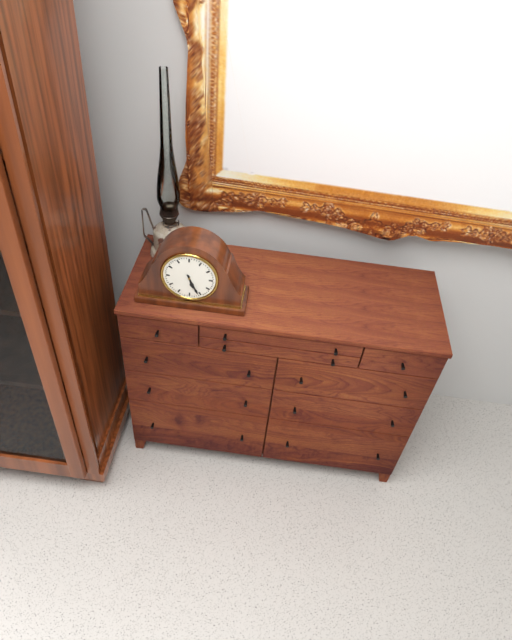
5.26
